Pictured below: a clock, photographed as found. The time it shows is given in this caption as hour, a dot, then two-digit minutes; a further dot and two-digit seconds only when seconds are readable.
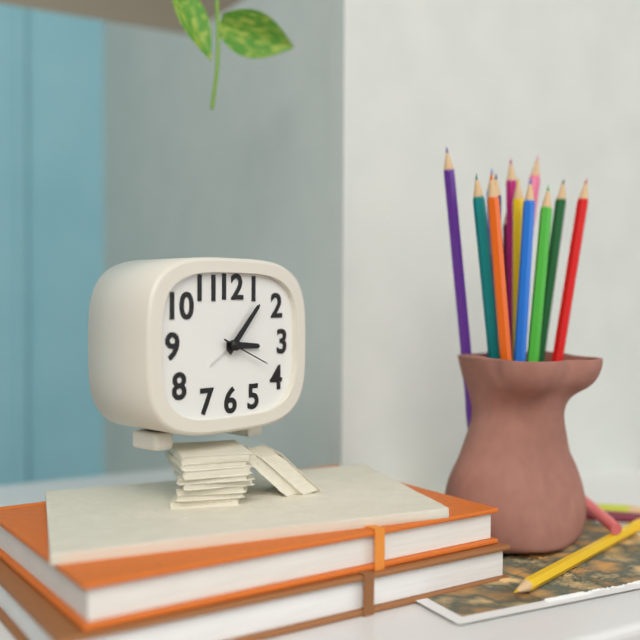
3.07
